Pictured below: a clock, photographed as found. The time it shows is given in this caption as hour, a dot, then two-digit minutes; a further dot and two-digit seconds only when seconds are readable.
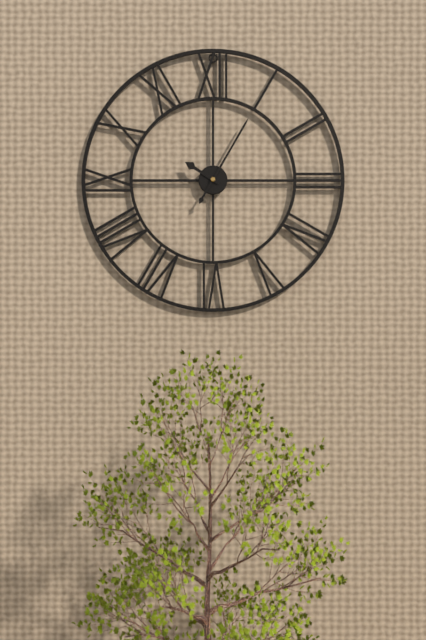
10.05
